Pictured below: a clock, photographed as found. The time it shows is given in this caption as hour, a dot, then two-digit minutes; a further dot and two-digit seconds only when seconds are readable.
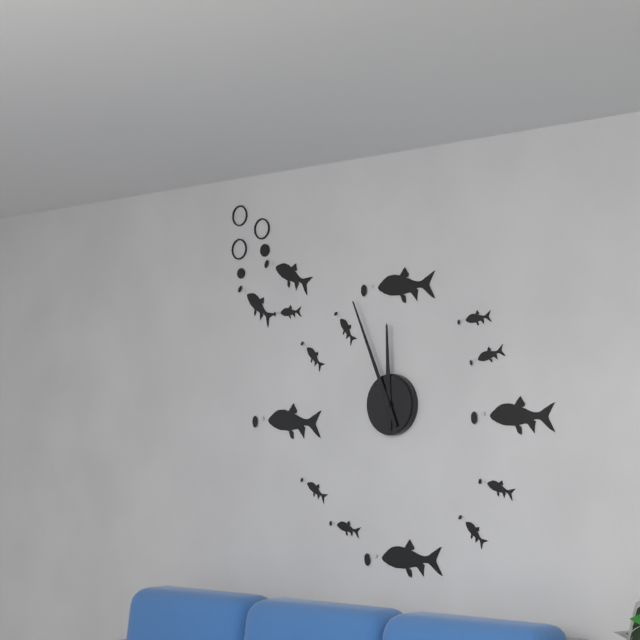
11.56
